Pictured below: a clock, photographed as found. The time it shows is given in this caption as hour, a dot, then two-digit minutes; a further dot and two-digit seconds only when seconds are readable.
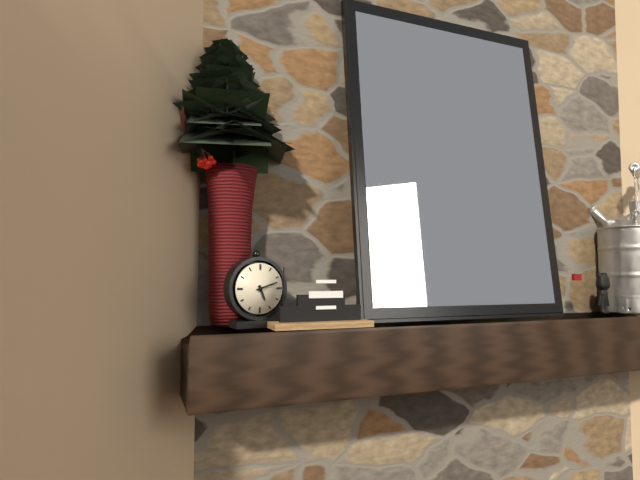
5.12
